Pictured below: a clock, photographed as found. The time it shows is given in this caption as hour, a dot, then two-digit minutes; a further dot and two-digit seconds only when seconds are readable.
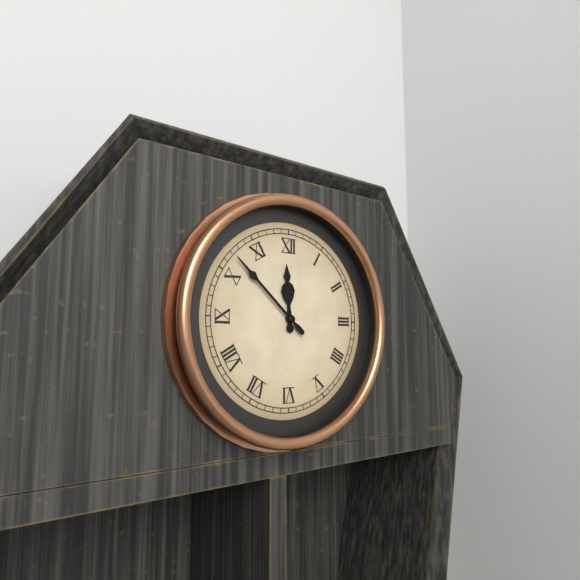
11.52
